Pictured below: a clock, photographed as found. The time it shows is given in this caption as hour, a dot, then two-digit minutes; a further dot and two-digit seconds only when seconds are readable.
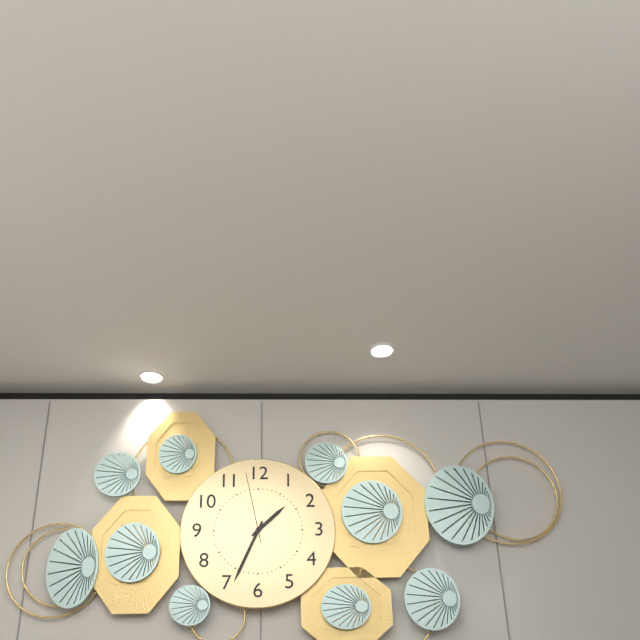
1.34.58
